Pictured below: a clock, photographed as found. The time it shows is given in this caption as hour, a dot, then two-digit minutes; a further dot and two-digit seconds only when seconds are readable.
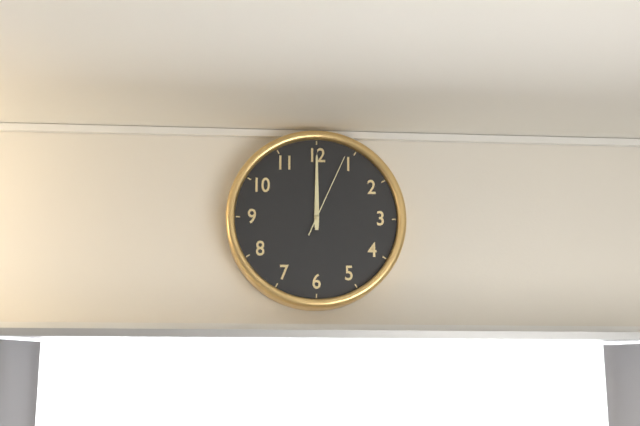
12.00.04
